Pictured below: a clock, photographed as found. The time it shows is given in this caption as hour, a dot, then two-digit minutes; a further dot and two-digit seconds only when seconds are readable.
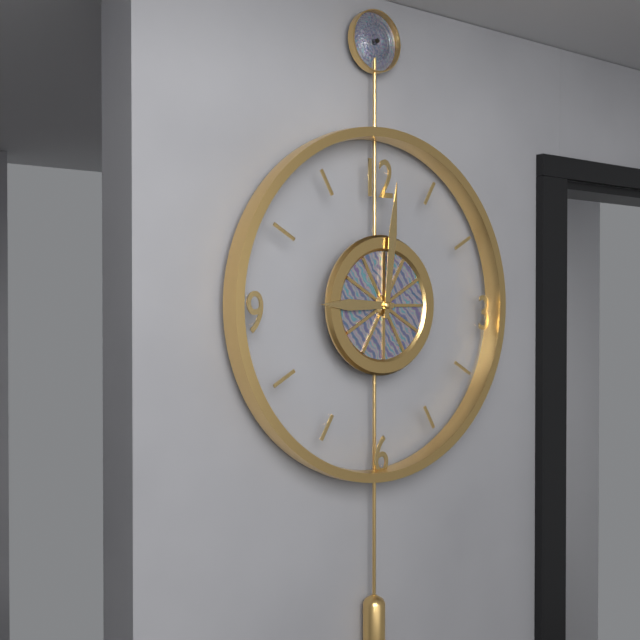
9.01
